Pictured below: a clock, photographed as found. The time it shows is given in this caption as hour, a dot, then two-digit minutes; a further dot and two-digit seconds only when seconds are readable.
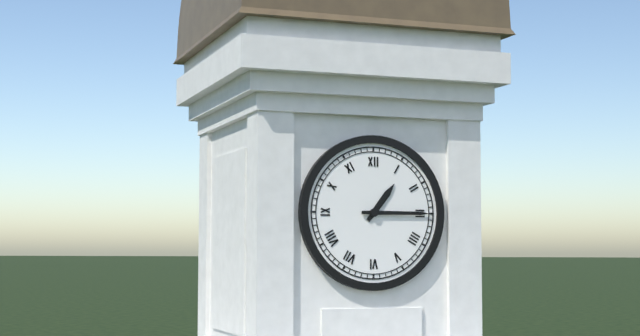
1.15
